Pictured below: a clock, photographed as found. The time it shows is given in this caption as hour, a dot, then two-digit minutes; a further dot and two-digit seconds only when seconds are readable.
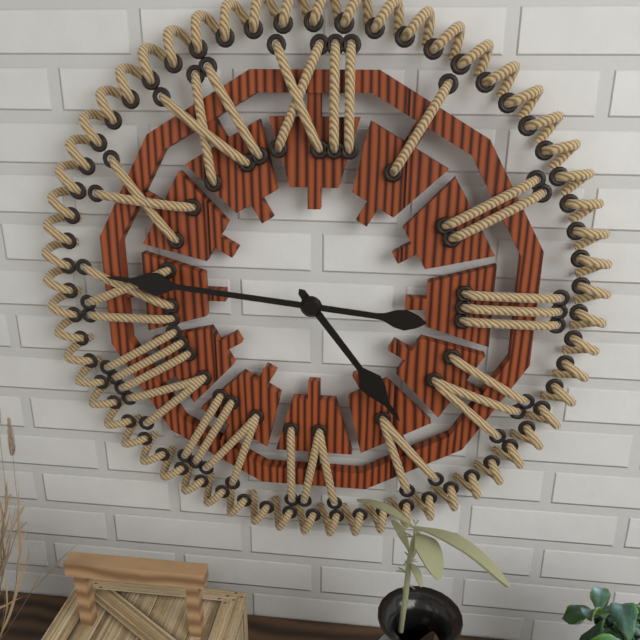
4.46
